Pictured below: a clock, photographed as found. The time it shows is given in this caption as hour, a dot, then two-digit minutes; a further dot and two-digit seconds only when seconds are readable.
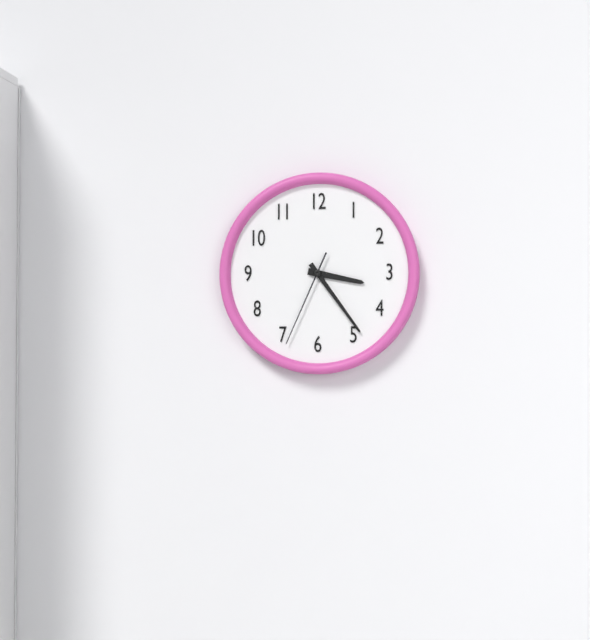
3.24.34
